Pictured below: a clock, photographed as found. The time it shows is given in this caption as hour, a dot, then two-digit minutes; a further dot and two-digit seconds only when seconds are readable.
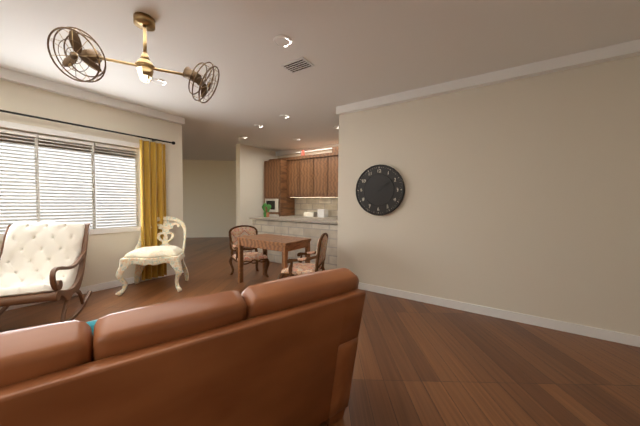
9.09
